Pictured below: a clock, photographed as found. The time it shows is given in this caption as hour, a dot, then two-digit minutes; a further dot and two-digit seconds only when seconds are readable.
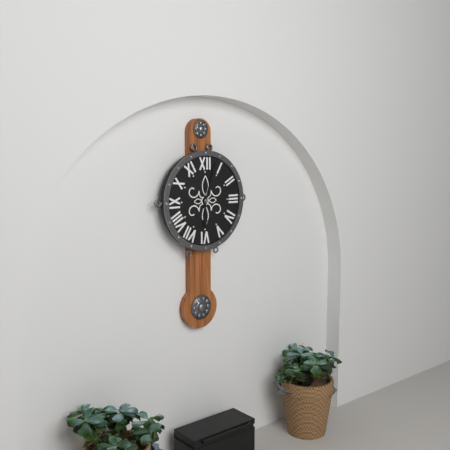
6.03
